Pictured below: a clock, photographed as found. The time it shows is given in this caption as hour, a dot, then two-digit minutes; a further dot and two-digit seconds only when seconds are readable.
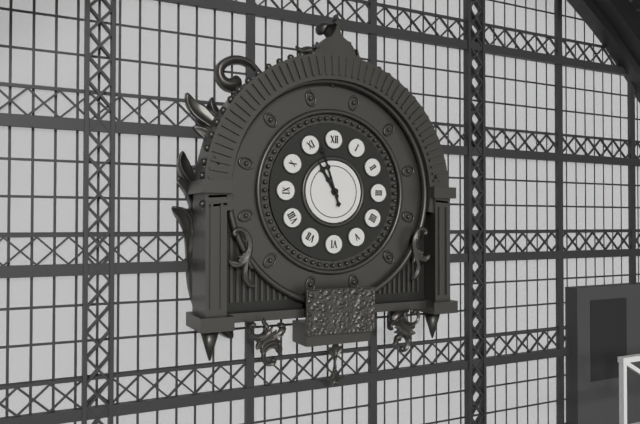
10.57
